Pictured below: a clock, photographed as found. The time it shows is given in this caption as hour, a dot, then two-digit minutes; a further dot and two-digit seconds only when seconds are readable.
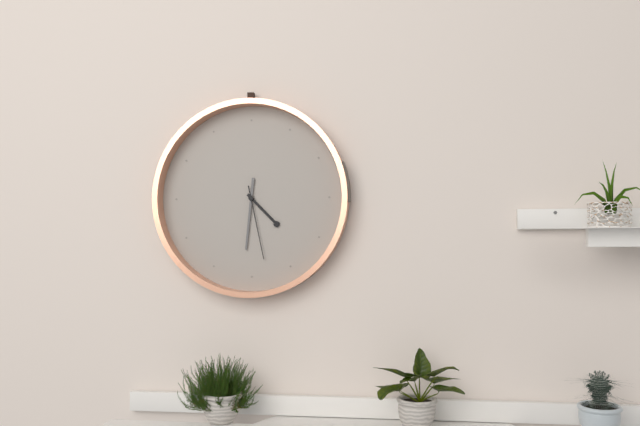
4.31.28
